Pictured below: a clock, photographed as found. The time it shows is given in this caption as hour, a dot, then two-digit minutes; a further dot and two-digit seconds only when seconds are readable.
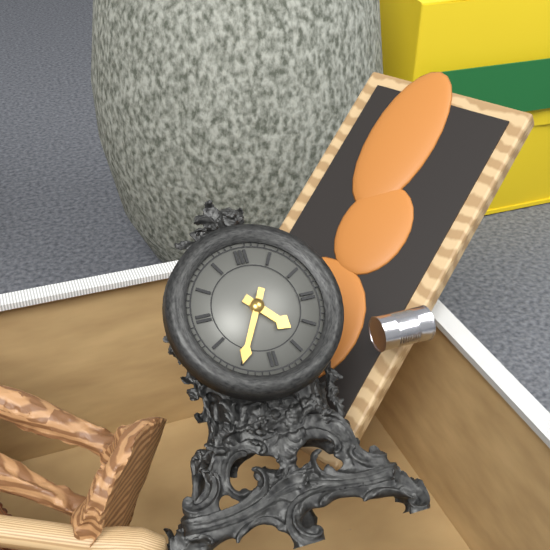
4.35
